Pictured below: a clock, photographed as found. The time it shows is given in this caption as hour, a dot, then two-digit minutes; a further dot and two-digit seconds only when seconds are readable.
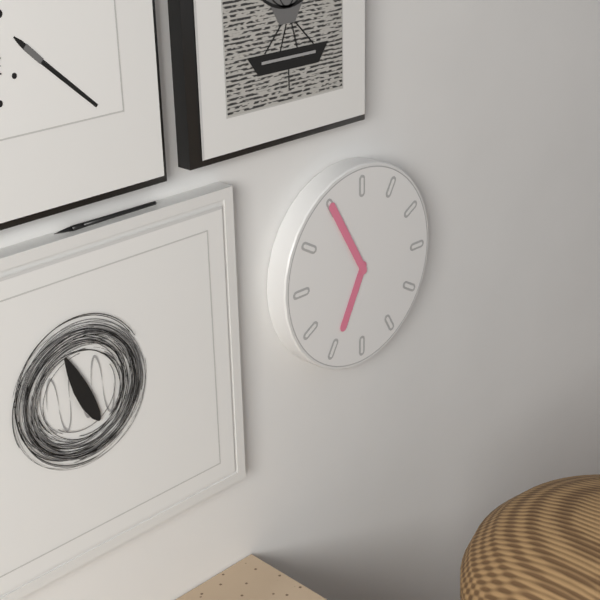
6.55
